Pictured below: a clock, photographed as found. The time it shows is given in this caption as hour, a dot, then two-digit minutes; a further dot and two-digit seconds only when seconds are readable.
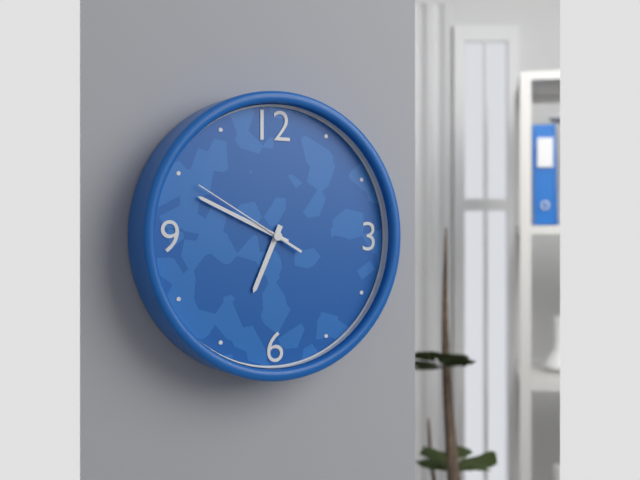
6.49.50
